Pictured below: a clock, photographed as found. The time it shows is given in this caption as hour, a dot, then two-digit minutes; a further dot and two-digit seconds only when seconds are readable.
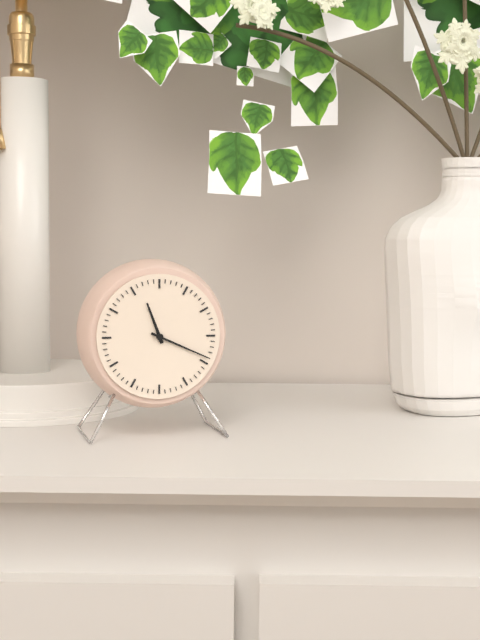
11.19
